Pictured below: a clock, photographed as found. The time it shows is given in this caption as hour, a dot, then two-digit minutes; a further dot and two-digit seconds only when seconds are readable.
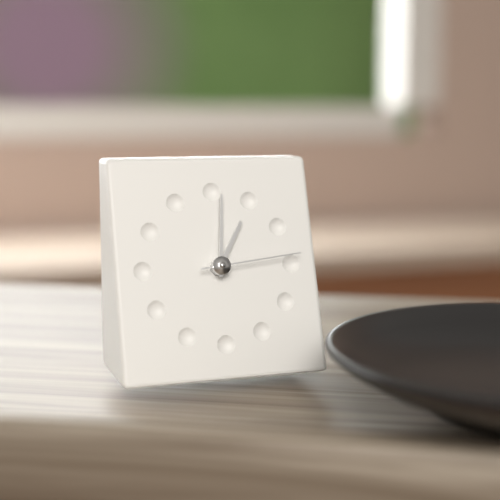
1.01.14
